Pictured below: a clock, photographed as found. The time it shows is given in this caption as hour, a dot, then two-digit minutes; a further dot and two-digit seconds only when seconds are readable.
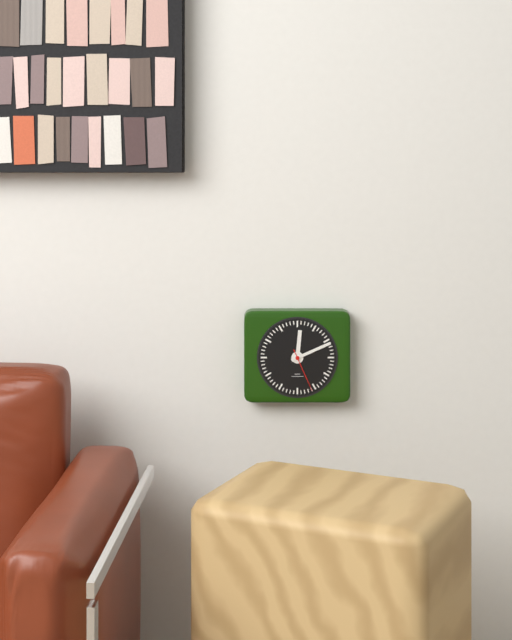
12.11
